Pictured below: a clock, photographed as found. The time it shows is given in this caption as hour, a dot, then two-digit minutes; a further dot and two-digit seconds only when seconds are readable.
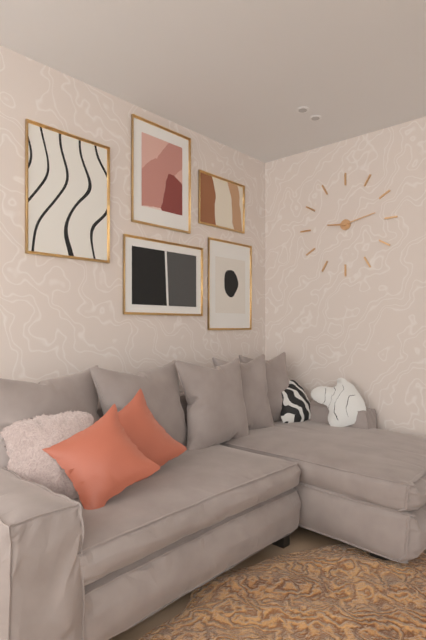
9.13
